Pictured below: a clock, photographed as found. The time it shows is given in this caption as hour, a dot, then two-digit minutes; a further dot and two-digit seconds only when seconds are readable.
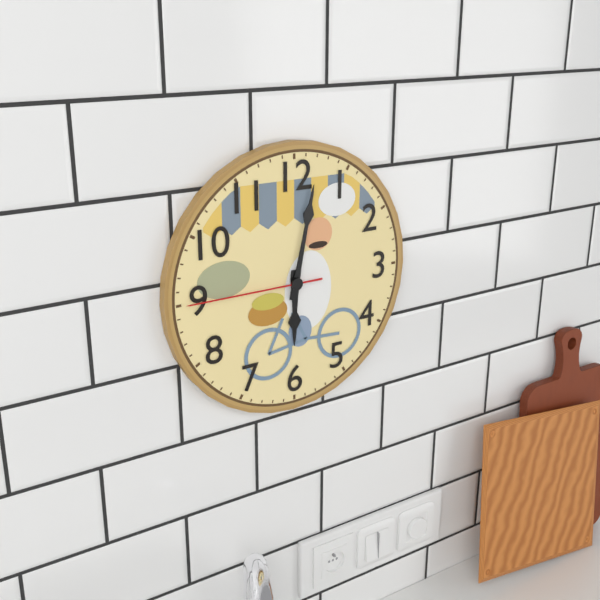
6.02.45
